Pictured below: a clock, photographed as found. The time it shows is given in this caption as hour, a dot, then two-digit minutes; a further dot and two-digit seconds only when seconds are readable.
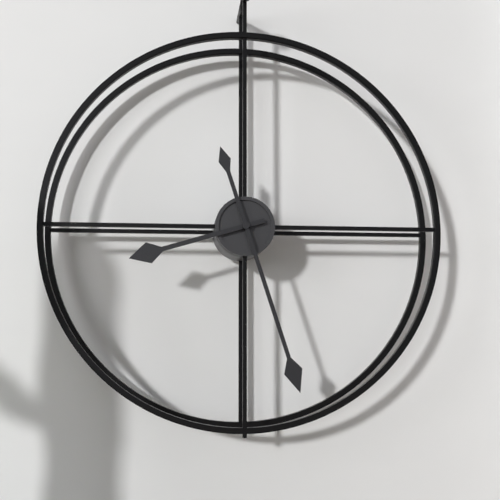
8.27
